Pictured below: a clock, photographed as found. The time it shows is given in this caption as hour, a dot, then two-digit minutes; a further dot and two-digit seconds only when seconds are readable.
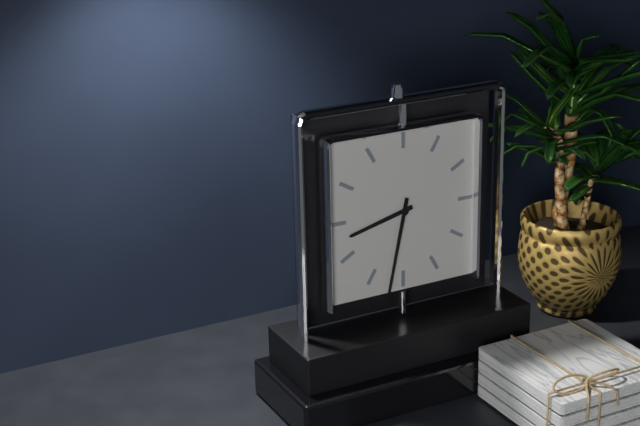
8.32
